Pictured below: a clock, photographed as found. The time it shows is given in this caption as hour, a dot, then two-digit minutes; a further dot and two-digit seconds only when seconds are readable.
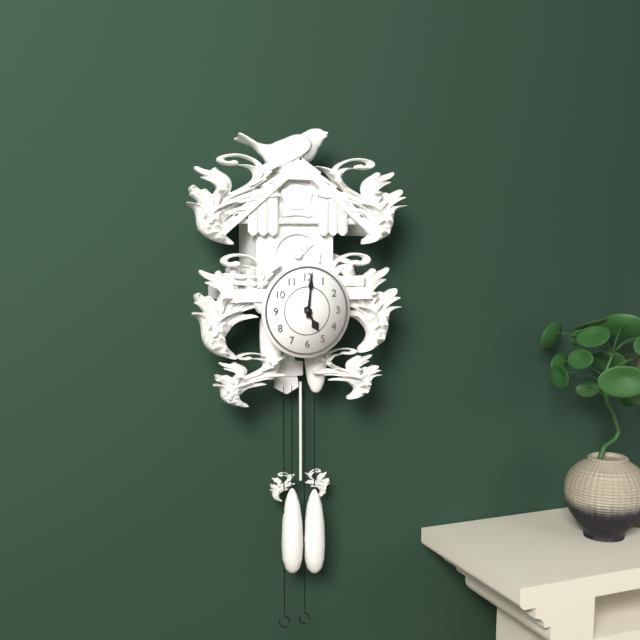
5.01
